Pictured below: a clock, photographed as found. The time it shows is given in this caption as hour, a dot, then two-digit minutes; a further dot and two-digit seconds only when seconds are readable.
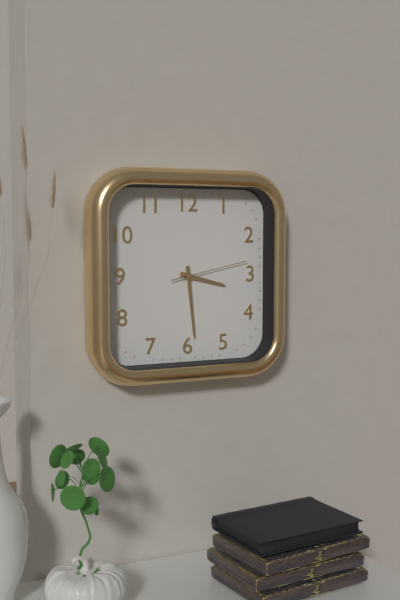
3.29.13
